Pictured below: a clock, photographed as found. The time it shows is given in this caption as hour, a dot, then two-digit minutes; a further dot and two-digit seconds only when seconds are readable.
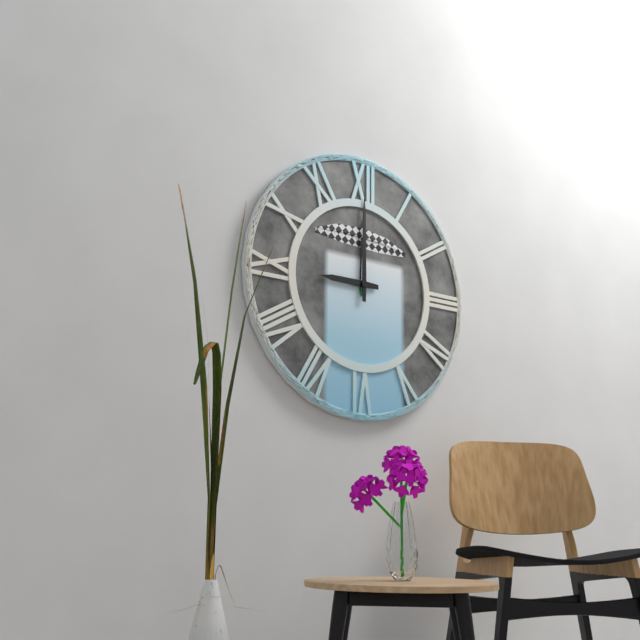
9.00
